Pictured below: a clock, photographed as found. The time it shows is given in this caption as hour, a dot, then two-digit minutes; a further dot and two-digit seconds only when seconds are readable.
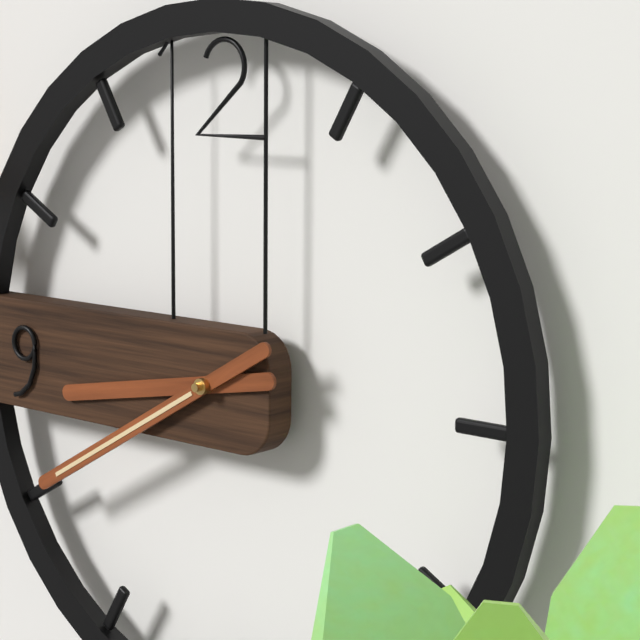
8.40
